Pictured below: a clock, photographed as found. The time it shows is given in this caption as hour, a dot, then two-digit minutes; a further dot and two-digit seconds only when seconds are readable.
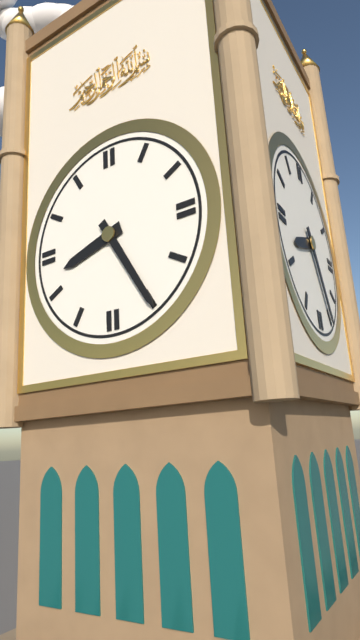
8.25
